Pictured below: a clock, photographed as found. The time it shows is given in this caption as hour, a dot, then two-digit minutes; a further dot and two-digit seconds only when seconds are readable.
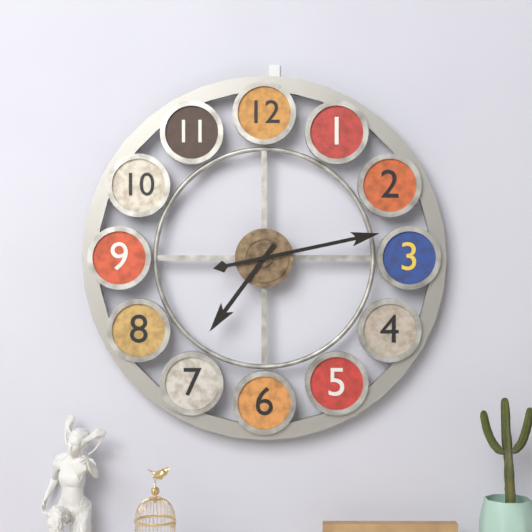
7.13
